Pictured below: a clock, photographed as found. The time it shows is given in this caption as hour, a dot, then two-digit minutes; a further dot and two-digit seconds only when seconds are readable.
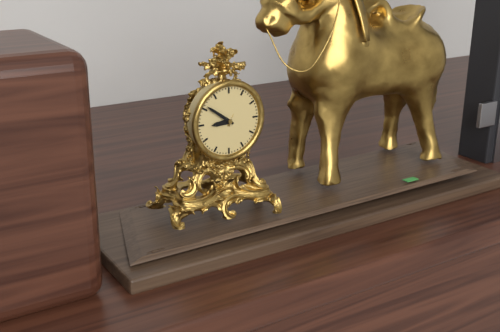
8.51
